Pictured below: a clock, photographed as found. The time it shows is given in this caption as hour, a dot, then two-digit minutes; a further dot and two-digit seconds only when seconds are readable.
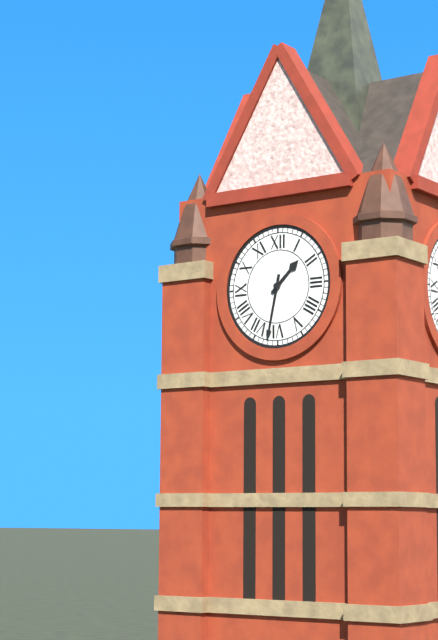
1.32
